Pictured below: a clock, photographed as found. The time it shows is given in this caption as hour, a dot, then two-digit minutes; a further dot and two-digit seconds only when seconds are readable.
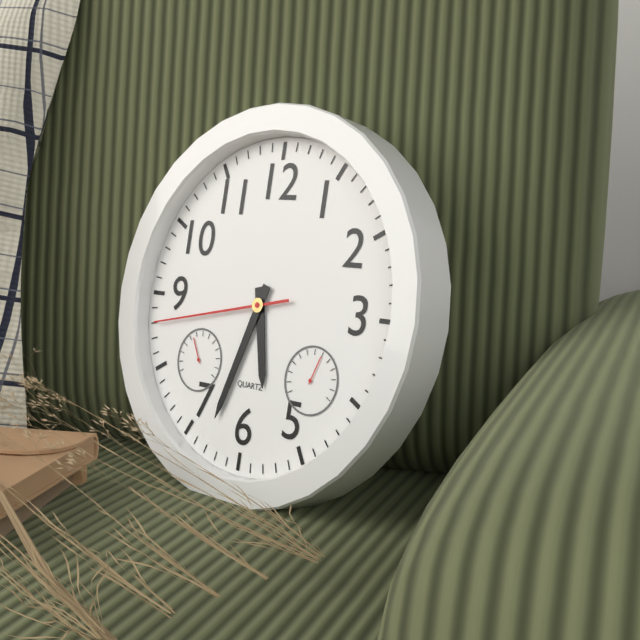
5.33.43
